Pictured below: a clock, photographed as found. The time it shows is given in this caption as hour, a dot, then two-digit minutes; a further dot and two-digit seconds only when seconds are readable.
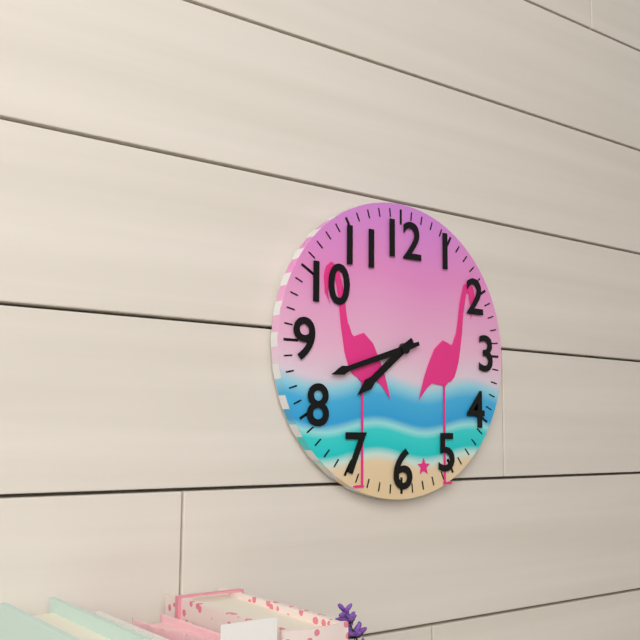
7.42
